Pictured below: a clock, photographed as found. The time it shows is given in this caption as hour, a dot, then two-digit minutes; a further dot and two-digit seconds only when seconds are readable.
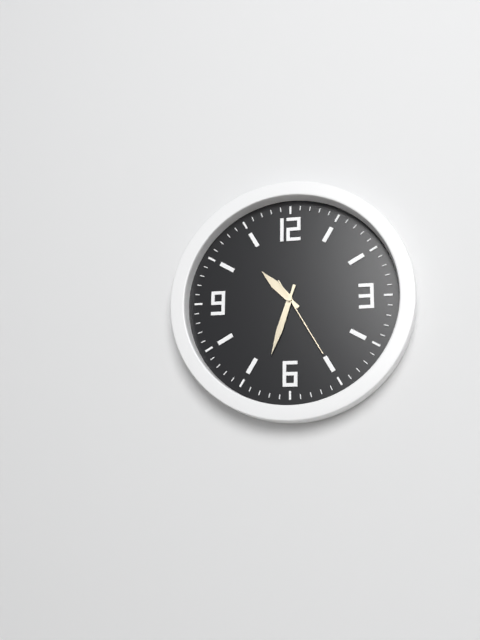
10.33.25
